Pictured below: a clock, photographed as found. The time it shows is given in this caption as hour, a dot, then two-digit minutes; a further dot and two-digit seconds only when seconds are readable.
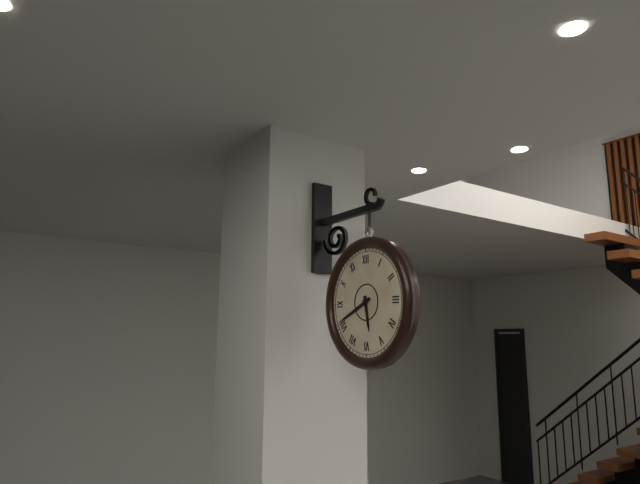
5.41
